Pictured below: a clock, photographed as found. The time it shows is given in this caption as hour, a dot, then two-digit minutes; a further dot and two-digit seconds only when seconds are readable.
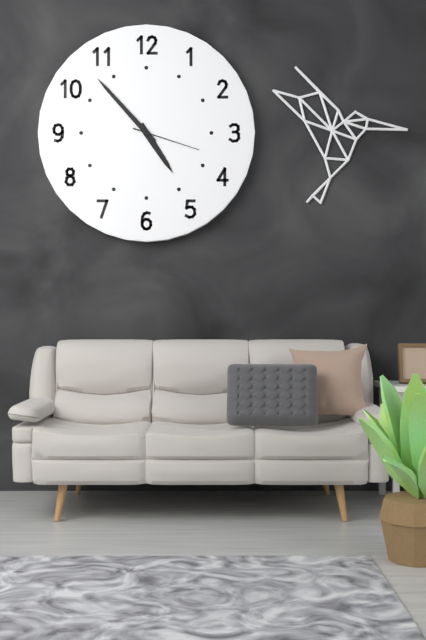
4.53.18
